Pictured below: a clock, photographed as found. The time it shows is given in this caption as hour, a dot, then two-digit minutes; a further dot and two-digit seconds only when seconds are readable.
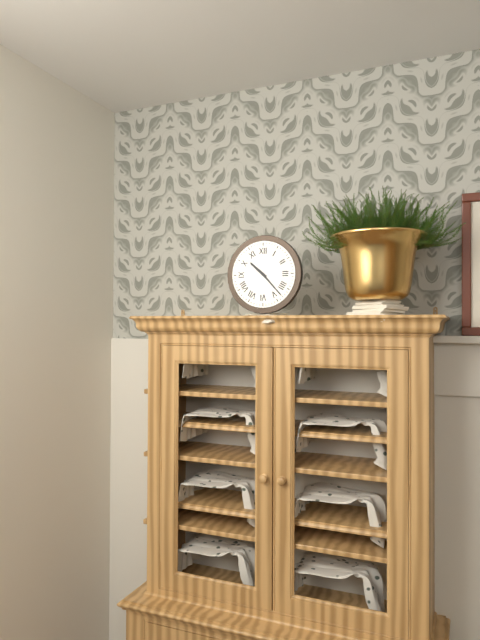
10.23
